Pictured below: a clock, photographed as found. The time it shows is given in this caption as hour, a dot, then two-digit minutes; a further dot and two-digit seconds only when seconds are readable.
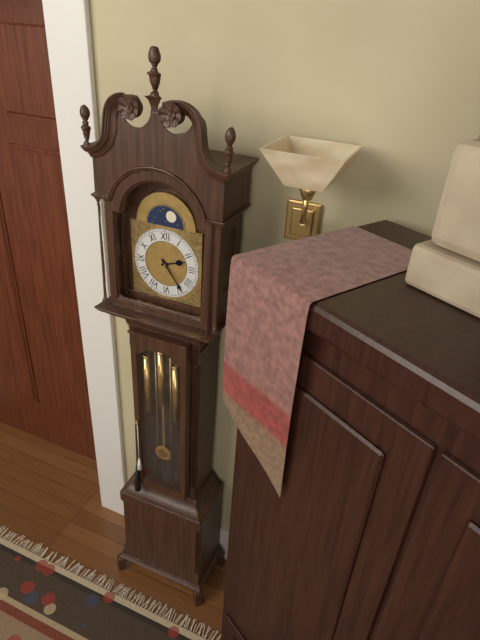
2.24
